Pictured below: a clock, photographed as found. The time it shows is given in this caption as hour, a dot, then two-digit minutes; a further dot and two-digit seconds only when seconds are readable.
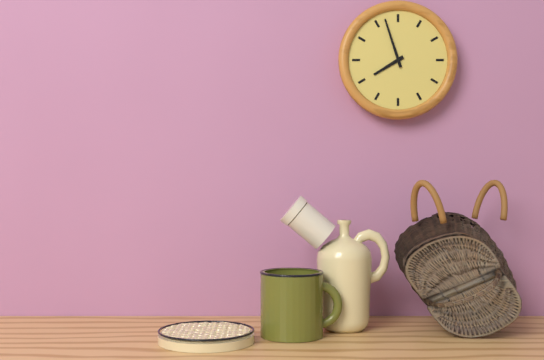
7.57
